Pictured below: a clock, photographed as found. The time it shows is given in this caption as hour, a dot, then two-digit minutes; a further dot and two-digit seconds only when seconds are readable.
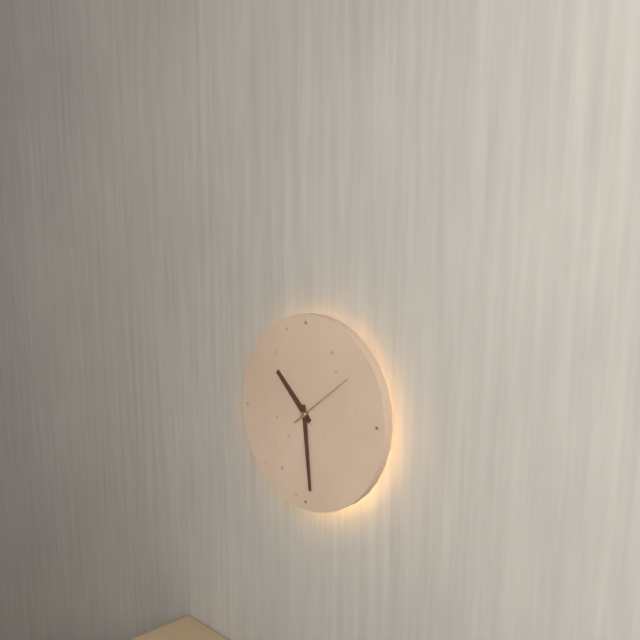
10.29.09
